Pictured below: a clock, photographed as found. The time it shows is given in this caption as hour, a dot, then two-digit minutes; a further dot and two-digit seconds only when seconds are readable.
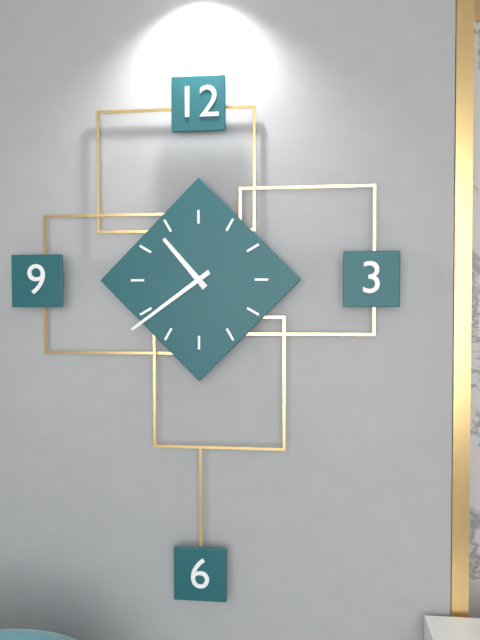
10.39
